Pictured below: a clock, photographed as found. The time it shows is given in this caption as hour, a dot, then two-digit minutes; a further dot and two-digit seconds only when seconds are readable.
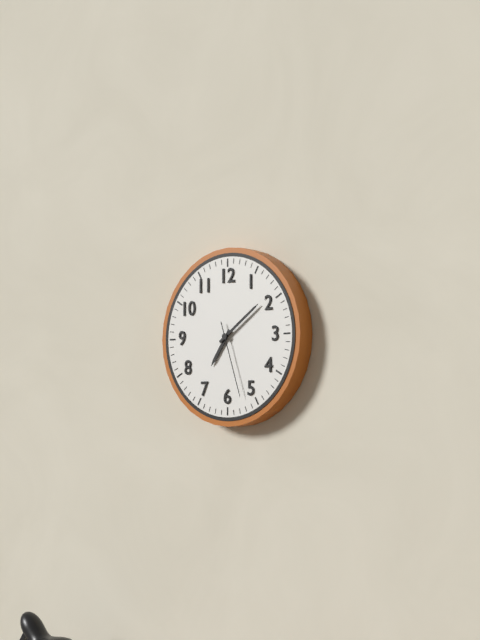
7.09.27
